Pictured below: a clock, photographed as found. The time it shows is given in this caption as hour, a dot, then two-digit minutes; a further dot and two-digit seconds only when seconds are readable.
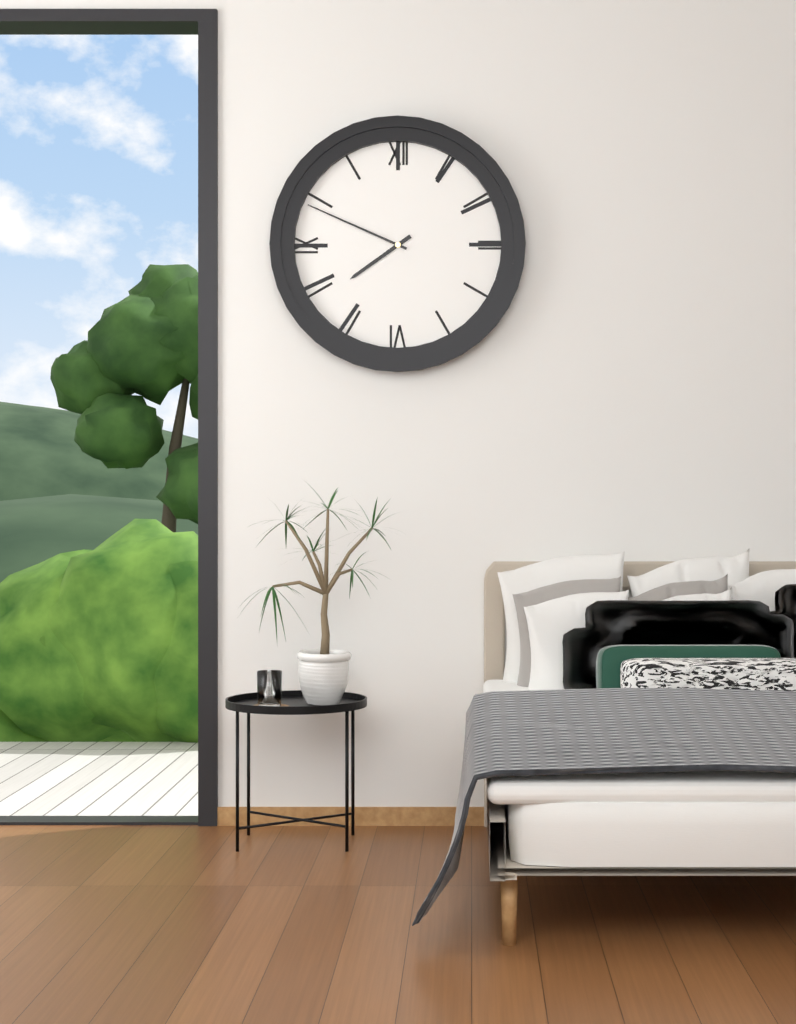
7.49
